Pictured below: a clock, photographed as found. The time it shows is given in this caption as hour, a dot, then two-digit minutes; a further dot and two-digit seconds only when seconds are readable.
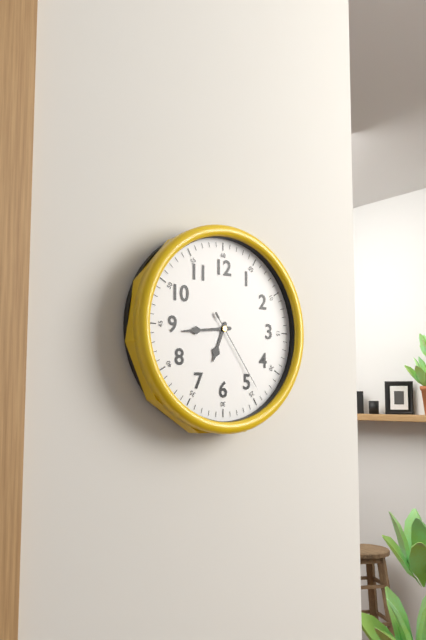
6.44.24
